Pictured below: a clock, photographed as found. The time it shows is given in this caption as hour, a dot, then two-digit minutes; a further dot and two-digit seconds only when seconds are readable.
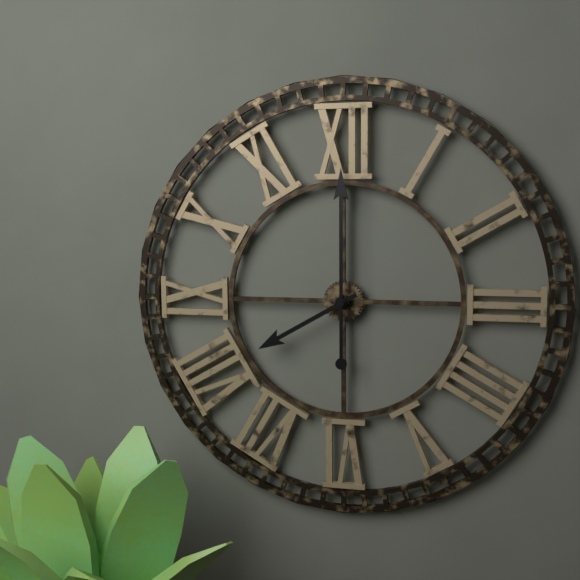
8.00
